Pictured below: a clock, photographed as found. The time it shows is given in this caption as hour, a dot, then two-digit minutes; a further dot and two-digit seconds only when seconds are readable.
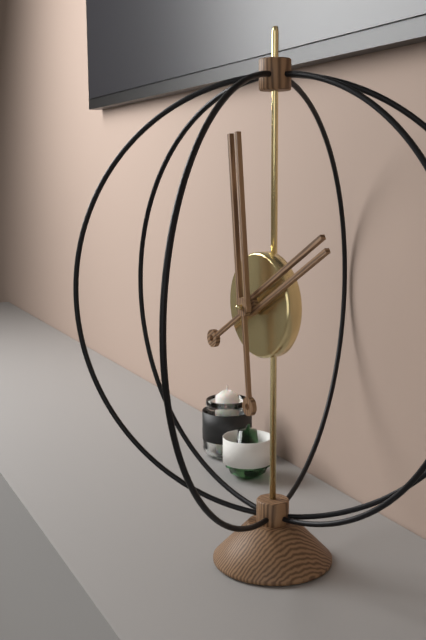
1.59
